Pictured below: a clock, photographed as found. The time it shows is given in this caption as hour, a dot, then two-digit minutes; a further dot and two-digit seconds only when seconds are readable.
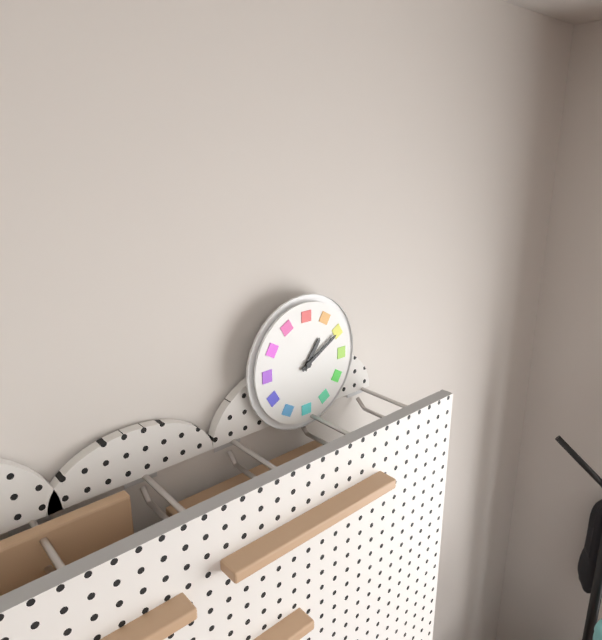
1.10
